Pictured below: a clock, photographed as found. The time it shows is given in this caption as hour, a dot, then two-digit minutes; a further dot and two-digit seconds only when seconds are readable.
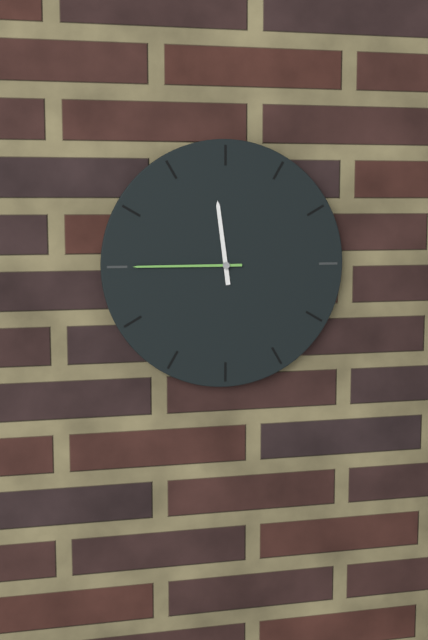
11.45
